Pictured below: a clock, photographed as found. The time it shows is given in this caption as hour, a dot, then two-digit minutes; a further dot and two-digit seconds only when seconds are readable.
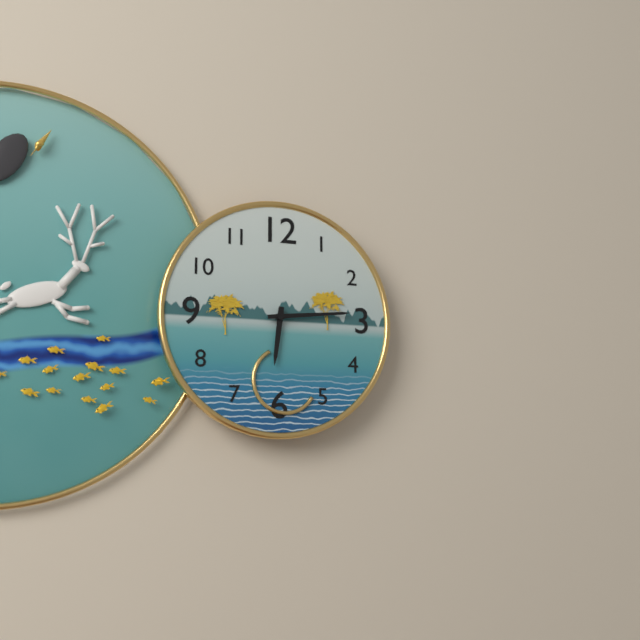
6.14
